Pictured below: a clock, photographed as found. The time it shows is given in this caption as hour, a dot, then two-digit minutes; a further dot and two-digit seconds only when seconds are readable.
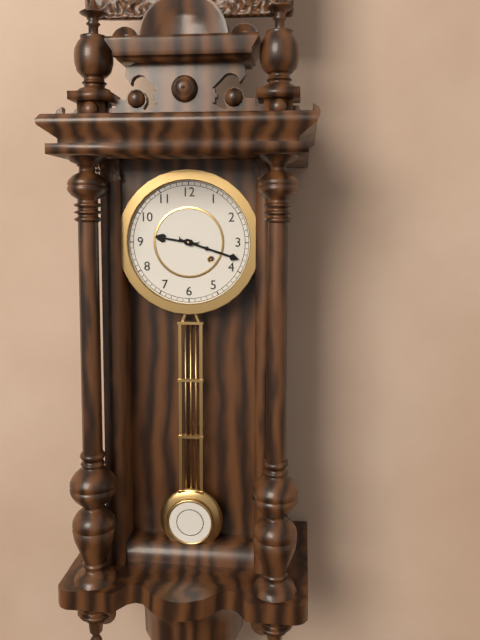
9.18
